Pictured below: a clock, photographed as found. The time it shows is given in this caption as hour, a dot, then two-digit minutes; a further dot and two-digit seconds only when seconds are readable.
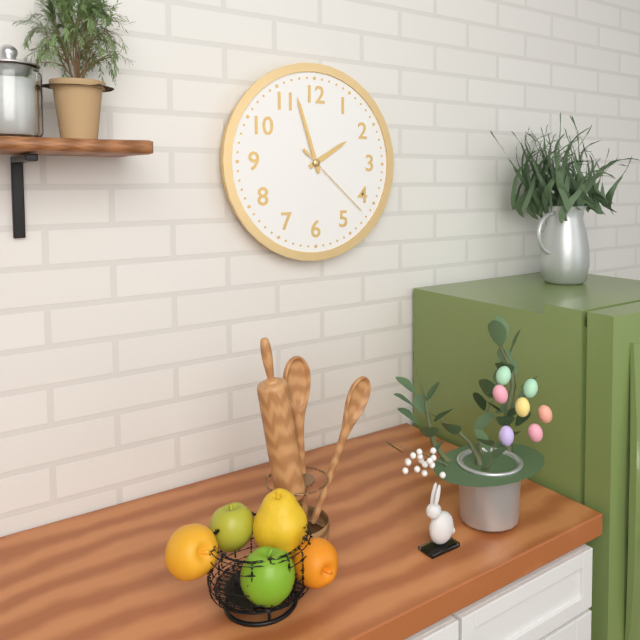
1.57.22
